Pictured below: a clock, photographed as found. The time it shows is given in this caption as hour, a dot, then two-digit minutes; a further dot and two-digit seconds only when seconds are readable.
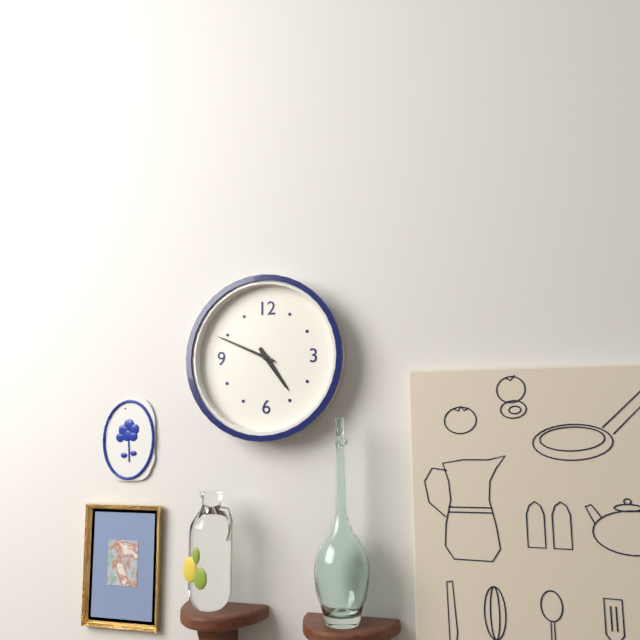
4.49
